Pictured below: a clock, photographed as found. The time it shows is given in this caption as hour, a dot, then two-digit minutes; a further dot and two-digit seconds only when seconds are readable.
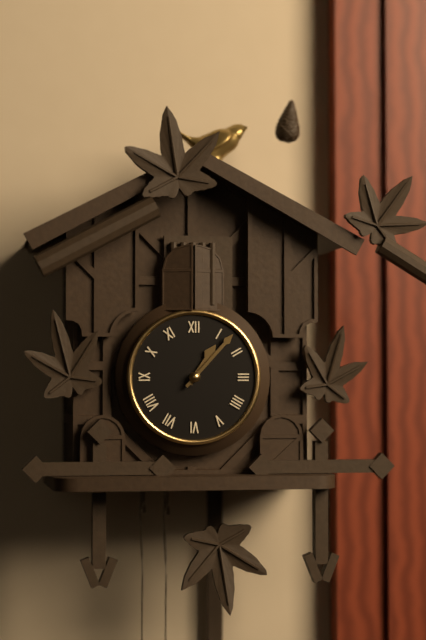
1.07
